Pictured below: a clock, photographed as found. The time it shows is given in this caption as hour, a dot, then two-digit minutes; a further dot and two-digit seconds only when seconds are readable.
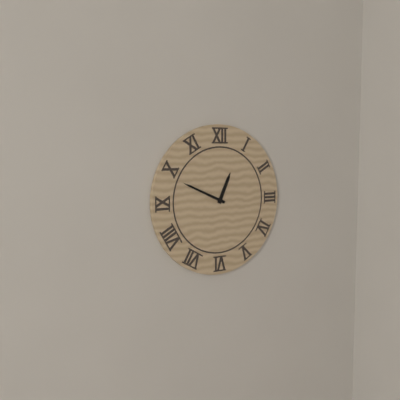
12.49
